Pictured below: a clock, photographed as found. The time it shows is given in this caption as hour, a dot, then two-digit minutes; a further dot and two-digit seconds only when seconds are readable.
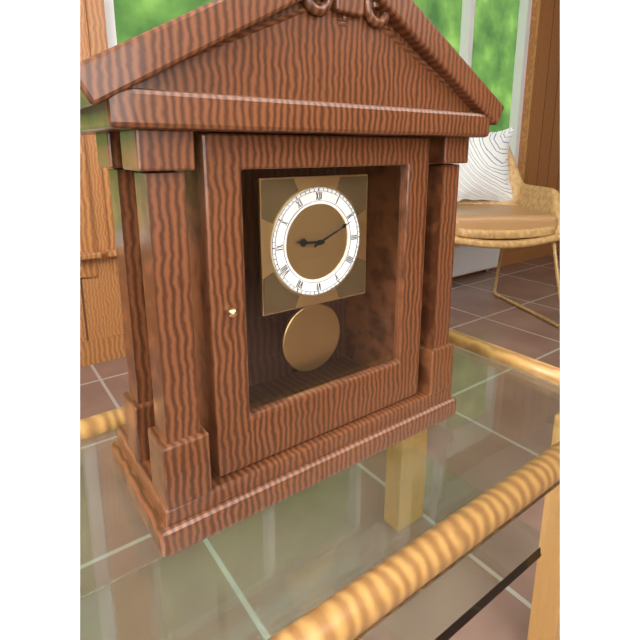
9.11
